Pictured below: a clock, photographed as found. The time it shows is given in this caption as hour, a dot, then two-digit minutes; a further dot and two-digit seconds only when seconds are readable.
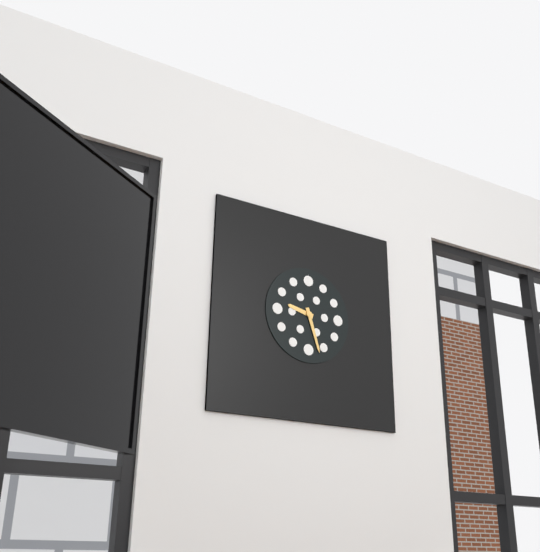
9.27
